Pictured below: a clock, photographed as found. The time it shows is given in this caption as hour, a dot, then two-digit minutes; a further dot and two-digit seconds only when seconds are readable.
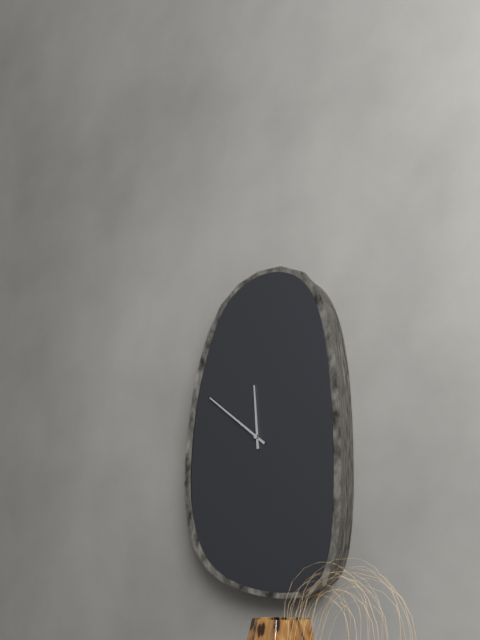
11.51
